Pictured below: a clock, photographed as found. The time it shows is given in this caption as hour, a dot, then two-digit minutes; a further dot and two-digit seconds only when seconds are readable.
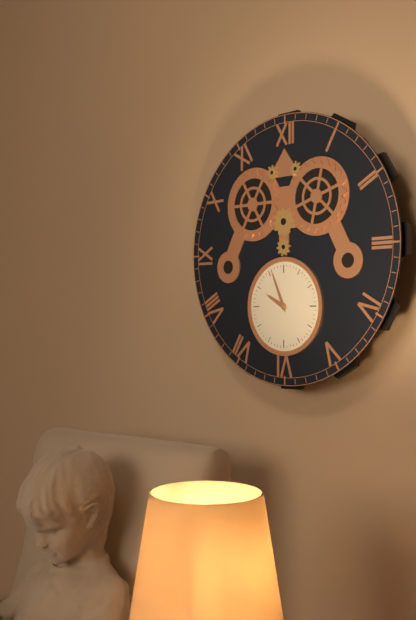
9.56
